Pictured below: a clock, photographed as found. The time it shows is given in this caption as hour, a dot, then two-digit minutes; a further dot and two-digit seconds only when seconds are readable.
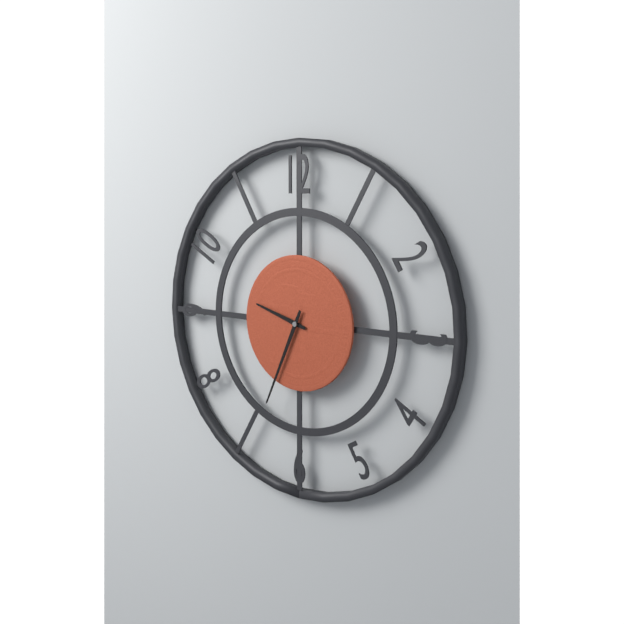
9.34
